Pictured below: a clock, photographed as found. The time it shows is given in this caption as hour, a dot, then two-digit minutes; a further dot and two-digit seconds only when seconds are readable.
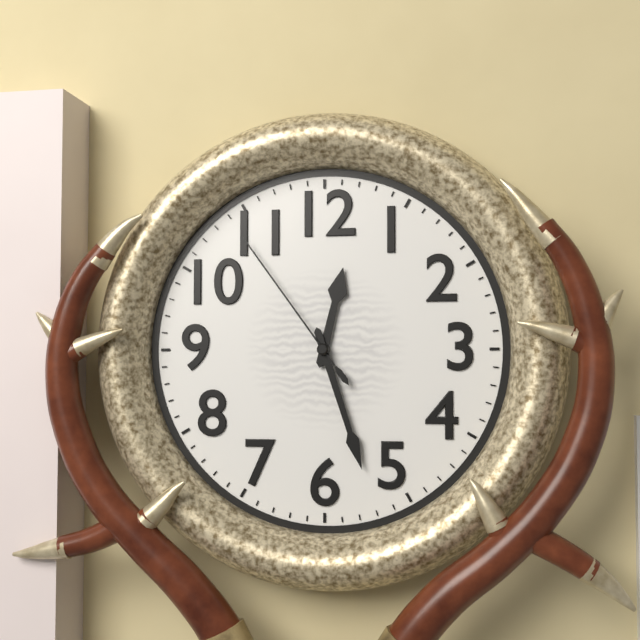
12.27.54
